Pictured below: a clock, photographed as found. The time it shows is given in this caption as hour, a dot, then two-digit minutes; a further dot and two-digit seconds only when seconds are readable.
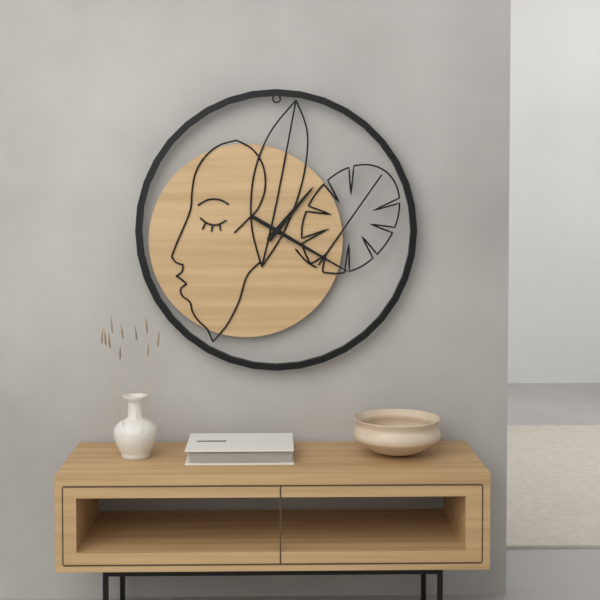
1.20
